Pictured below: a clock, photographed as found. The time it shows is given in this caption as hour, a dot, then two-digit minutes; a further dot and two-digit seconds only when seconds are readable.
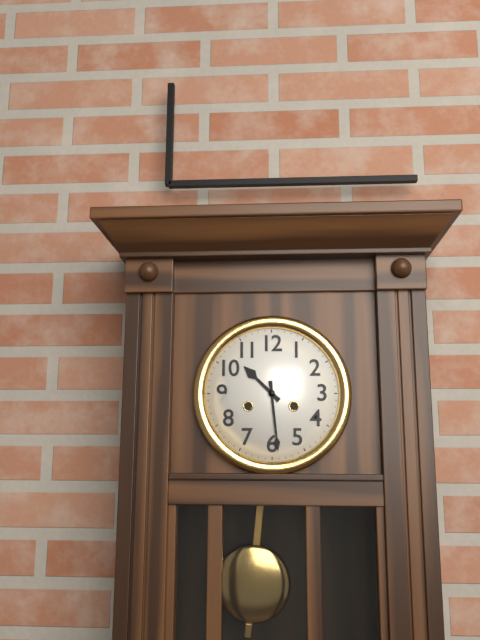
10.29
